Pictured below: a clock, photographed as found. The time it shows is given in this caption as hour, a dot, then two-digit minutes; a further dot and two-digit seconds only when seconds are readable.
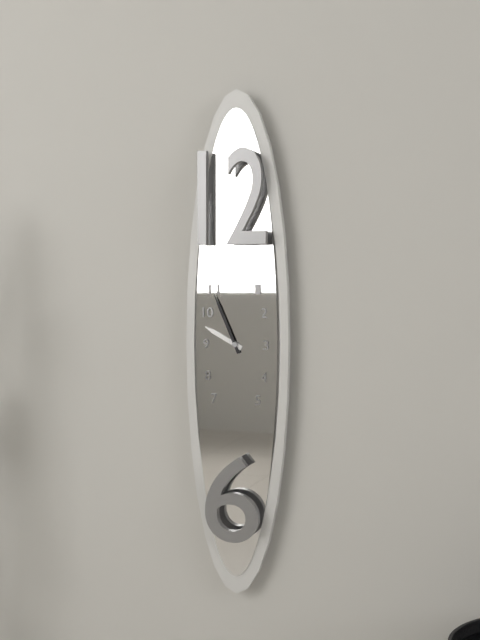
9.56
